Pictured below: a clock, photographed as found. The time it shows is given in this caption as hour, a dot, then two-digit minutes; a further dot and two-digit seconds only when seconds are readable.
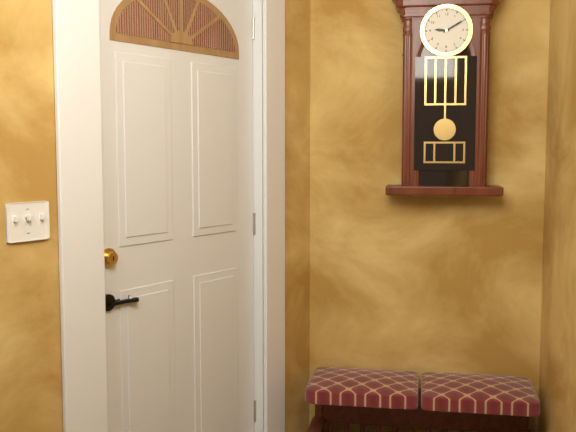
9.10
